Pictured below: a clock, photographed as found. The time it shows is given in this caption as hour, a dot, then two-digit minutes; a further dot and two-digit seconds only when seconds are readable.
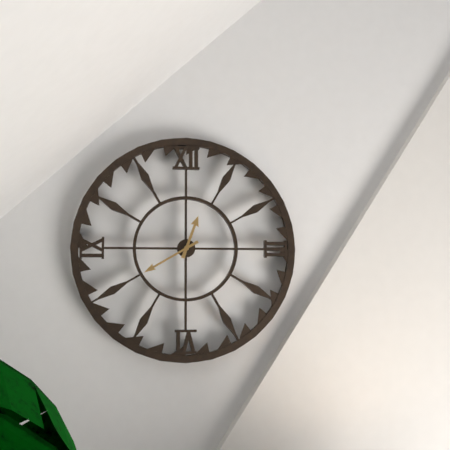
12.40
